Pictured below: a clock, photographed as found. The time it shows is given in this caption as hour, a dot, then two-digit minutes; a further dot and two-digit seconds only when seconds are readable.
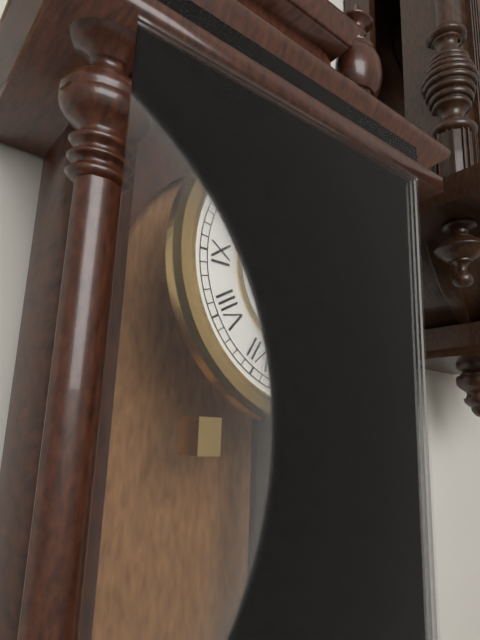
6.33
